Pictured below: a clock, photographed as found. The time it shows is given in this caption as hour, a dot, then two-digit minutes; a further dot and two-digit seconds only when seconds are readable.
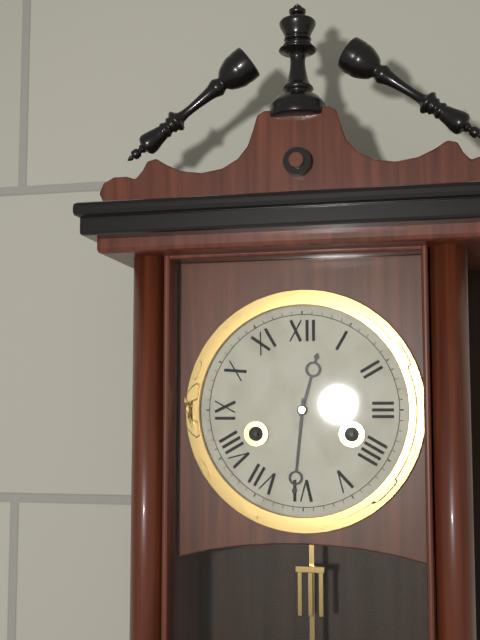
12.31
